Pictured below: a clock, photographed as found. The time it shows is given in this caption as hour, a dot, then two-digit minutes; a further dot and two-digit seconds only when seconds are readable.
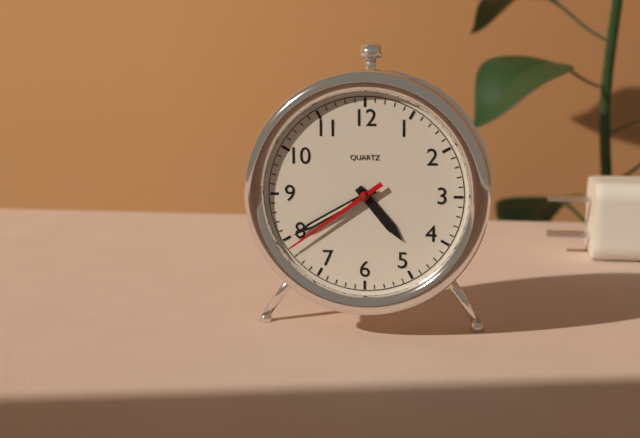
4.40.39
